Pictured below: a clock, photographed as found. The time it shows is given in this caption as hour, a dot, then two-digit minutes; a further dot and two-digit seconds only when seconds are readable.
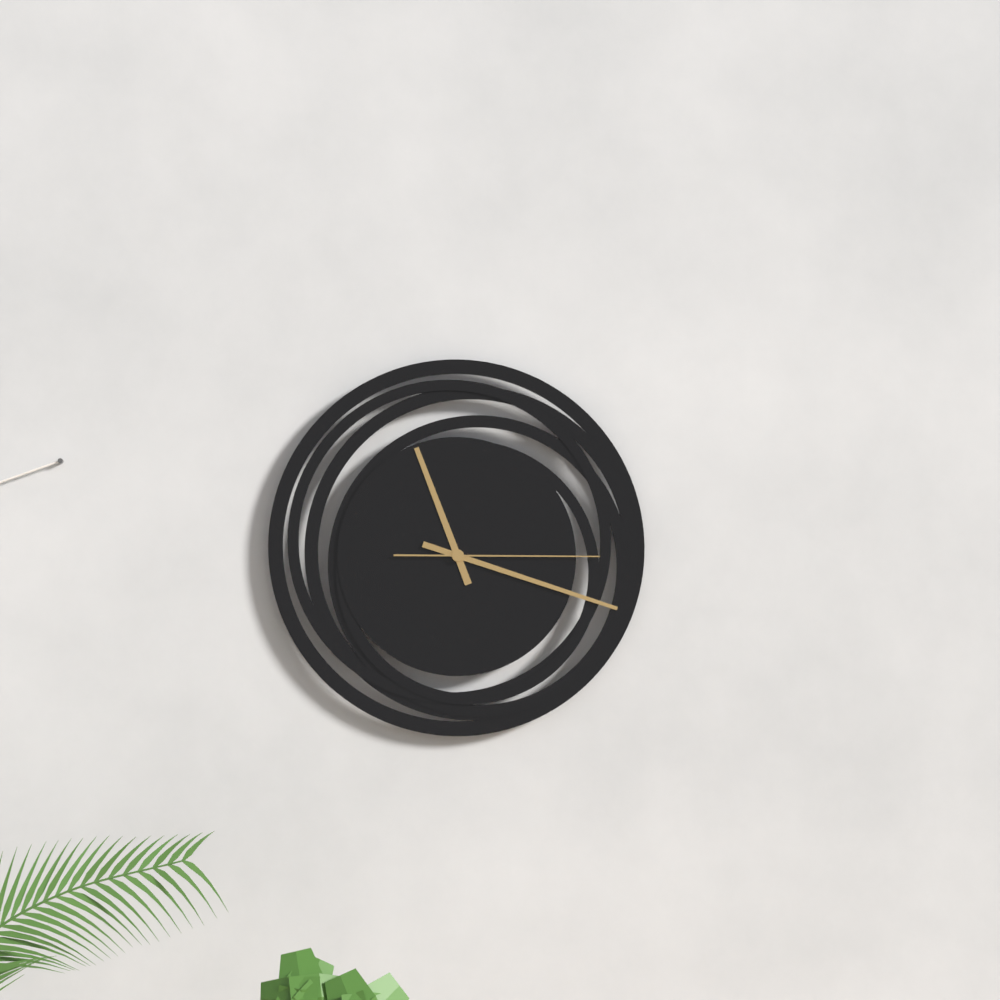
11.18.15
